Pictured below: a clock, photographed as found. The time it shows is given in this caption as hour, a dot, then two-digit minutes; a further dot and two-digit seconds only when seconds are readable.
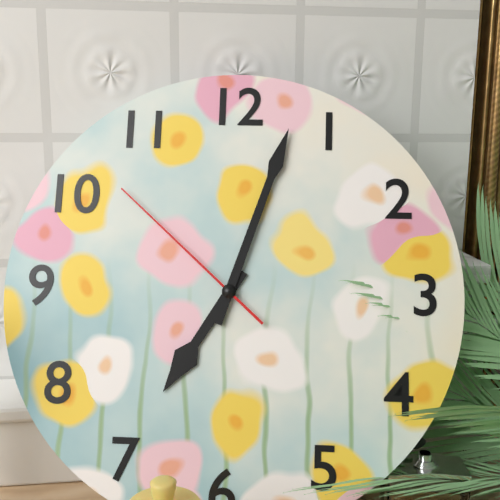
7.03.52
